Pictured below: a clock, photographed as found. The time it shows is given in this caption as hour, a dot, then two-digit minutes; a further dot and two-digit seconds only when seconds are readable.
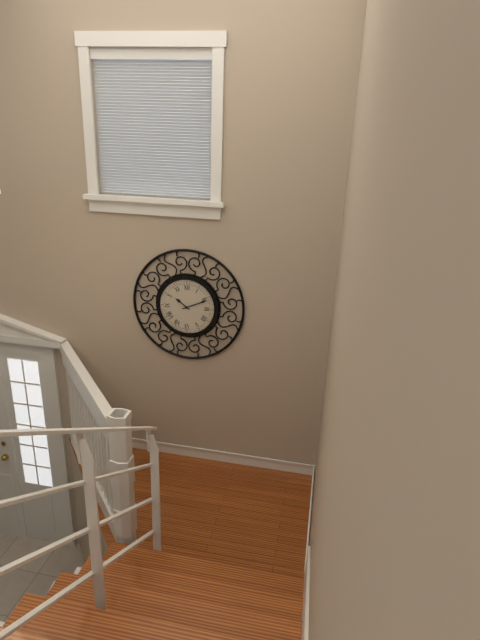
10.11
